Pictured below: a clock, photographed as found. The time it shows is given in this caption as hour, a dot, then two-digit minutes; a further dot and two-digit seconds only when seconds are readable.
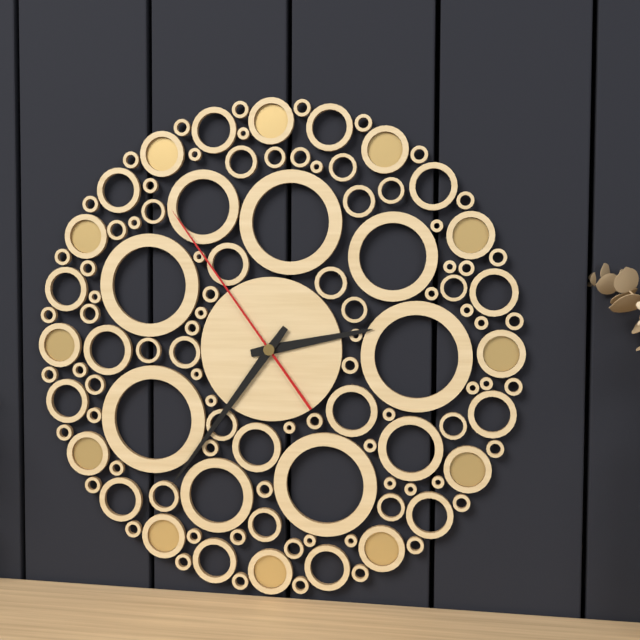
2.36.54
